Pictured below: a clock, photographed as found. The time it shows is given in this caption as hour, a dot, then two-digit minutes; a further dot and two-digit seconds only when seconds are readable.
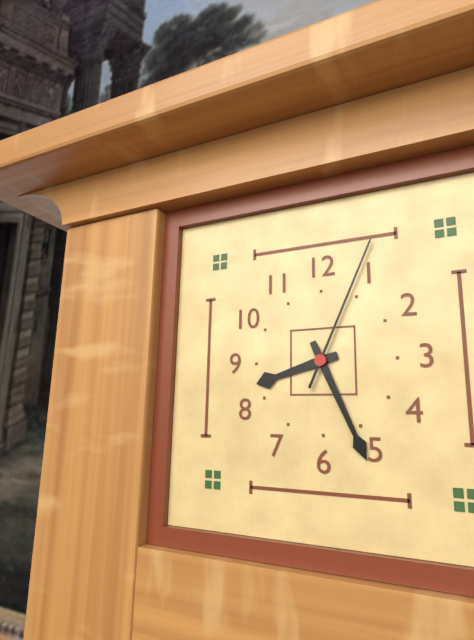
8.26.04
